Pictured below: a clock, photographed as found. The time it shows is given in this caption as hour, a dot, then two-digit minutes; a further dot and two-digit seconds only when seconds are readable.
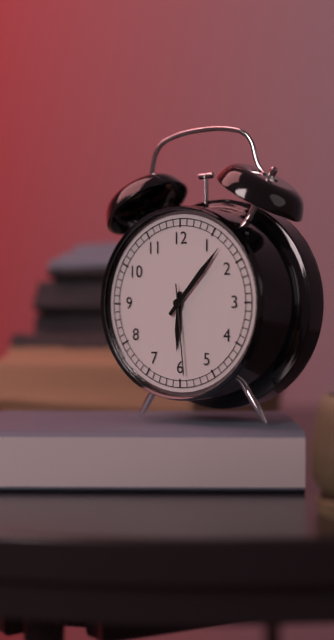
6.07.29
